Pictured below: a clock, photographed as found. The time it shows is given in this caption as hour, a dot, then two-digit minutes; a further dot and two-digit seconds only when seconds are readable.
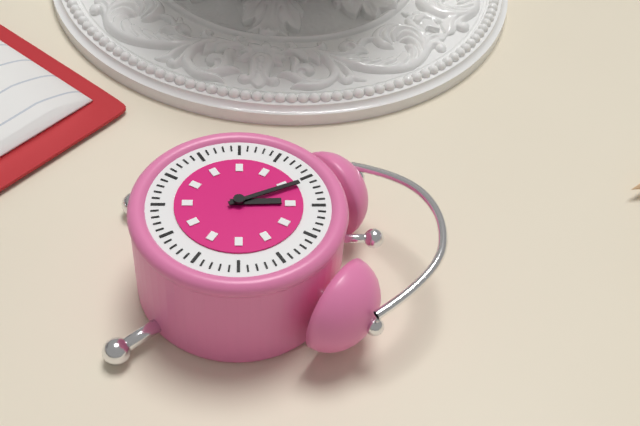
11.56
